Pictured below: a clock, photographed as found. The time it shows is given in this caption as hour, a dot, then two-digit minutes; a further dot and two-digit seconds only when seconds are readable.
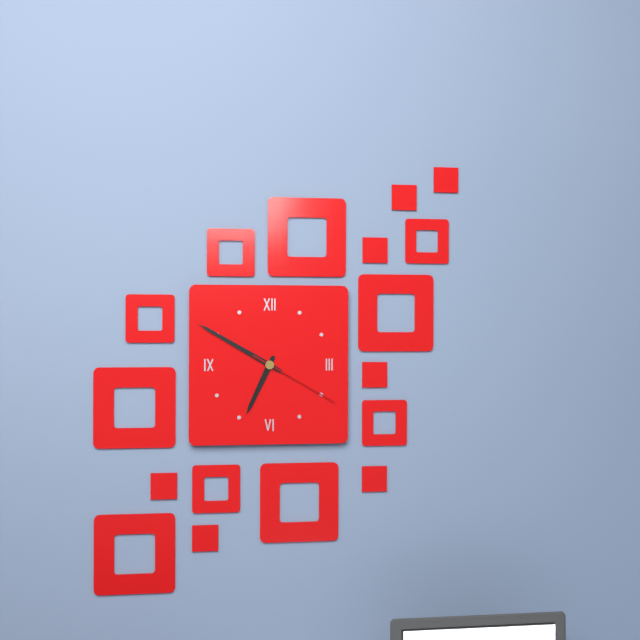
6.50.20
